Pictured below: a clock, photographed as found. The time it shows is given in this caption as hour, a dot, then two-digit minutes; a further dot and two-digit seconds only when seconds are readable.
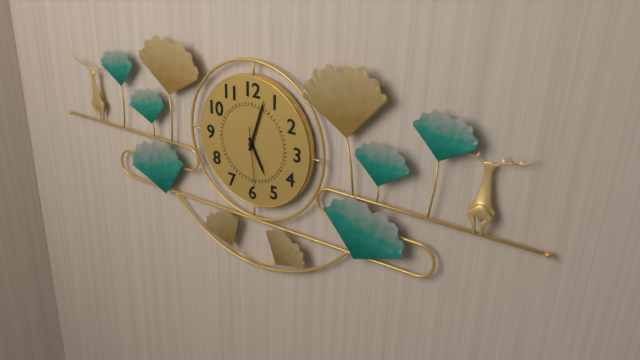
5.03.29
